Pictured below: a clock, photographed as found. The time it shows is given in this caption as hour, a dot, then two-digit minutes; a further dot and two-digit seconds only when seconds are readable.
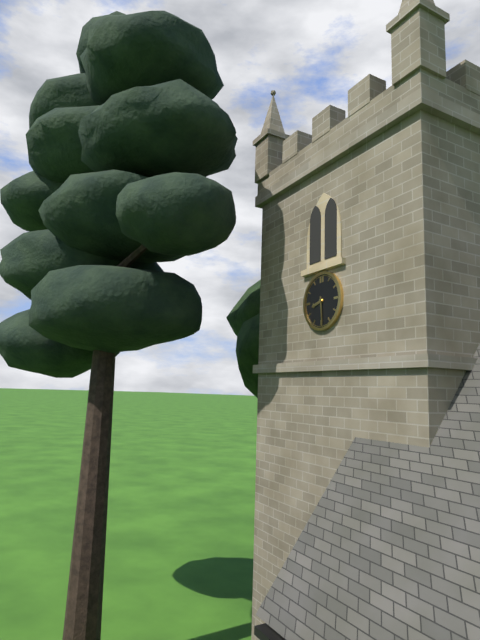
8.29
